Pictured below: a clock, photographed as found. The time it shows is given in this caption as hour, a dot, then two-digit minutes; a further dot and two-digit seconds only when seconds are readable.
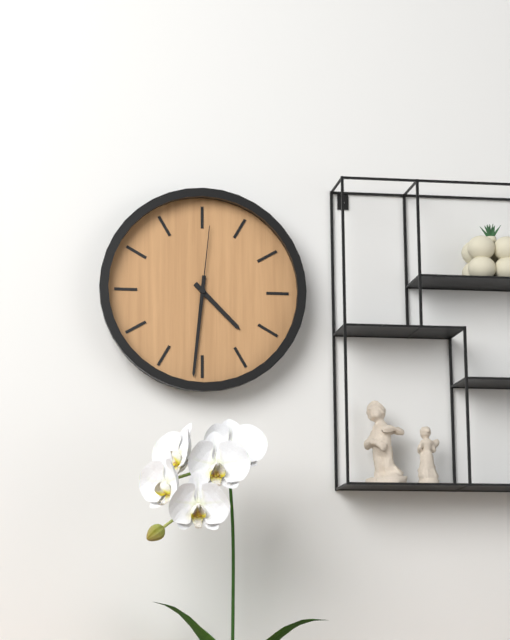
4.31.01
